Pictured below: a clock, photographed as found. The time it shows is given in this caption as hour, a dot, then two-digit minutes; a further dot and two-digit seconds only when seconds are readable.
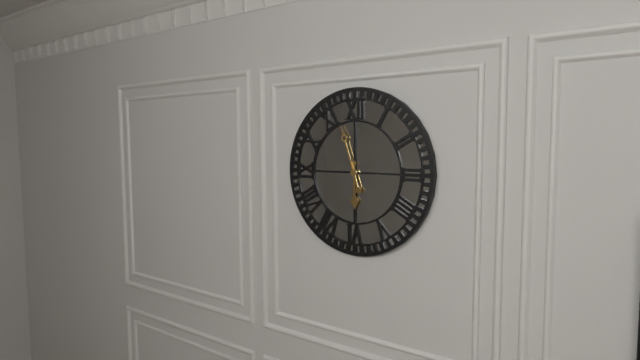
5.57
